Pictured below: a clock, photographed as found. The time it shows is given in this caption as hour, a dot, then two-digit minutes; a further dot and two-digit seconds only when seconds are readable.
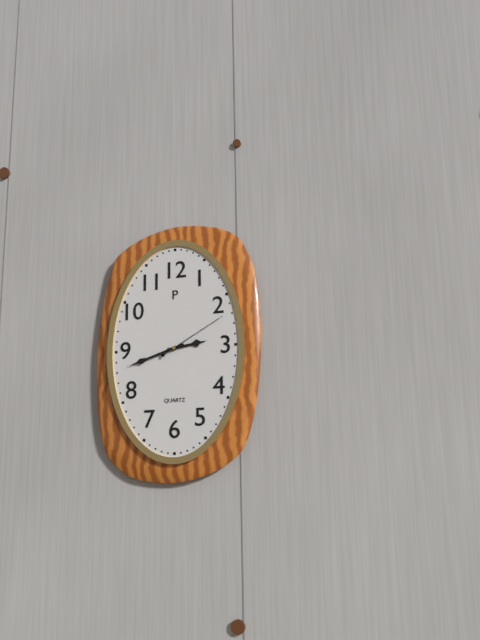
2.42.10
